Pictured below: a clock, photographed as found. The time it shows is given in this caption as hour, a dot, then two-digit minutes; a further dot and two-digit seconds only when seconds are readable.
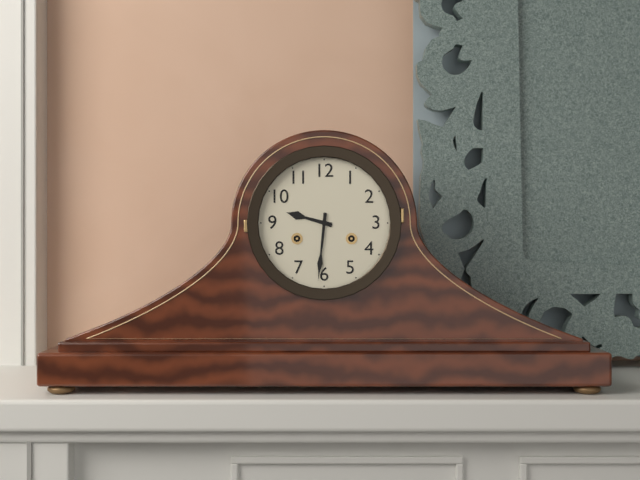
9.31
